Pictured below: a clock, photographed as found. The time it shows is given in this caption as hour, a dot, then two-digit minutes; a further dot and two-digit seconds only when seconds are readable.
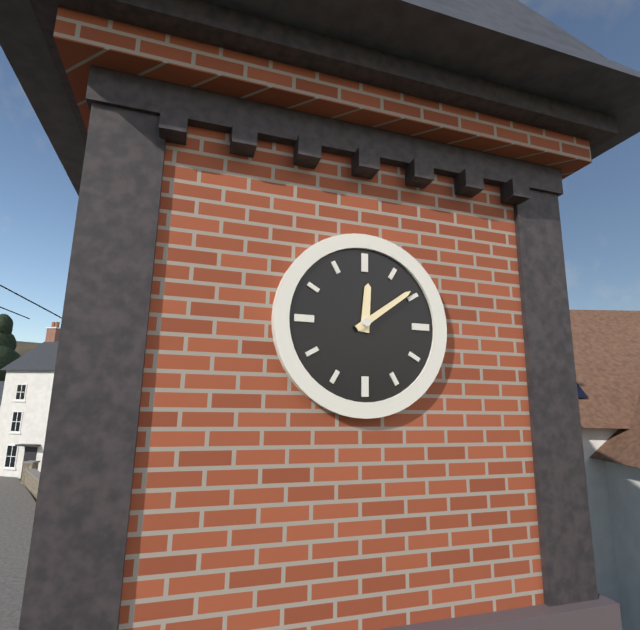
12.09
